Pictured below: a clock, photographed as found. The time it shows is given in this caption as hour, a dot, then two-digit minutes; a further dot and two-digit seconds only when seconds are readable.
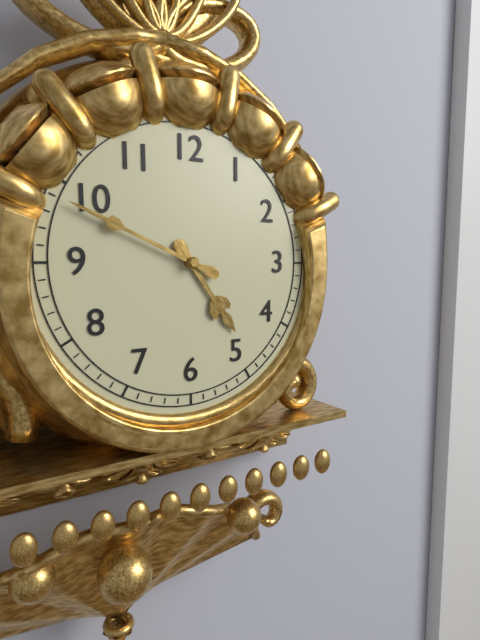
4.49
